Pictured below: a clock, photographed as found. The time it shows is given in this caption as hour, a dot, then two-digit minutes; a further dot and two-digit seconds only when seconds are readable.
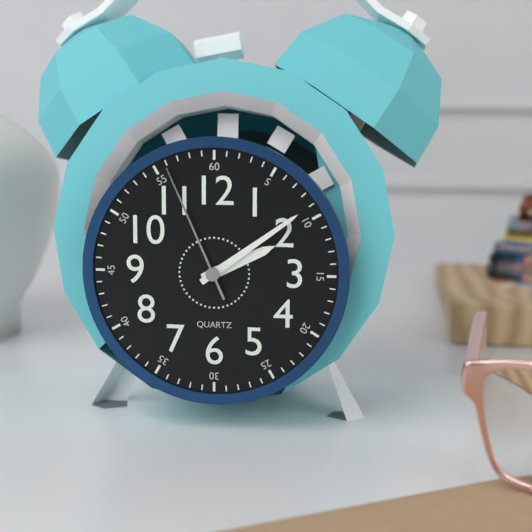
2.09.56
